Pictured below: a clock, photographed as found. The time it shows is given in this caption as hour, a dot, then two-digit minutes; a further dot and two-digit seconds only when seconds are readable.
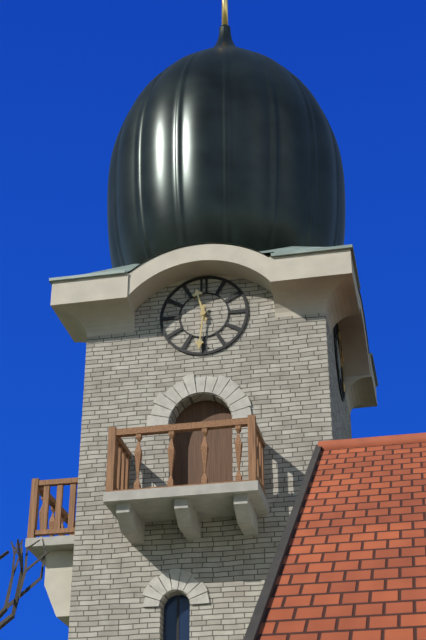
11.31
